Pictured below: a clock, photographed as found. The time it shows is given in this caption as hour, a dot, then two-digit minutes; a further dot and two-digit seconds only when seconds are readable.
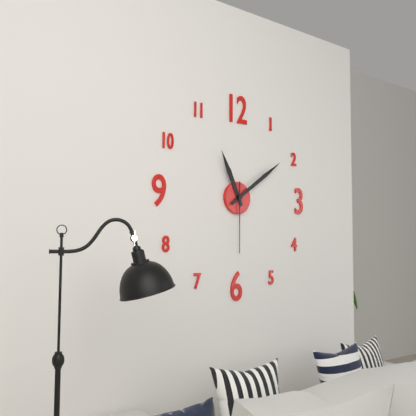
11.09.30
